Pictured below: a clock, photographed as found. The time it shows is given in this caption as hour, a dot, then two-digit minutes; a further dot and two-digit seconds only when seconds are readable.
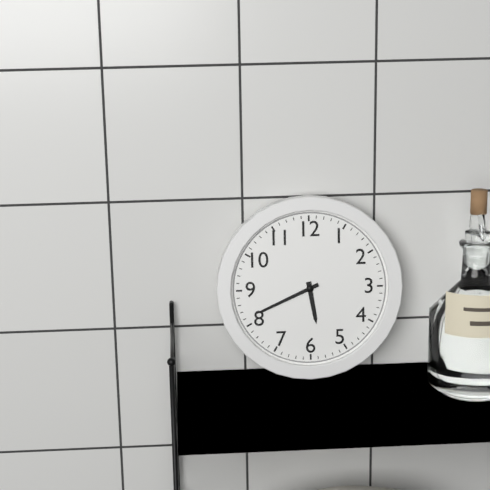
5.41
